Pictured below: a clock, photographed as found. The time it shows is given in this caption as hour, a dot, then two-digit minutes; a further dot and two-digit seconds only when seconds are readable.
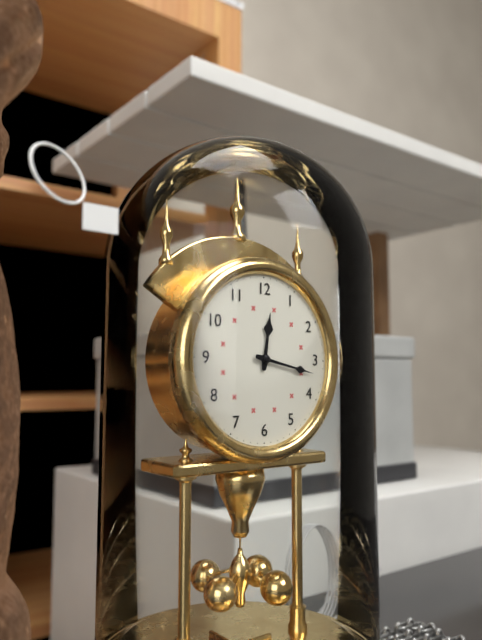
12.17
